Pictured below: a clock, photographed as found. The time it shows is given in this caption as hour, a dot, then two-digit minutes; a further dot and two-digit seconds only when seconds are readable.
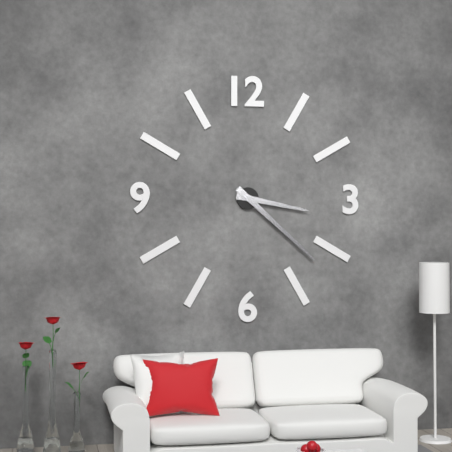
3.22
